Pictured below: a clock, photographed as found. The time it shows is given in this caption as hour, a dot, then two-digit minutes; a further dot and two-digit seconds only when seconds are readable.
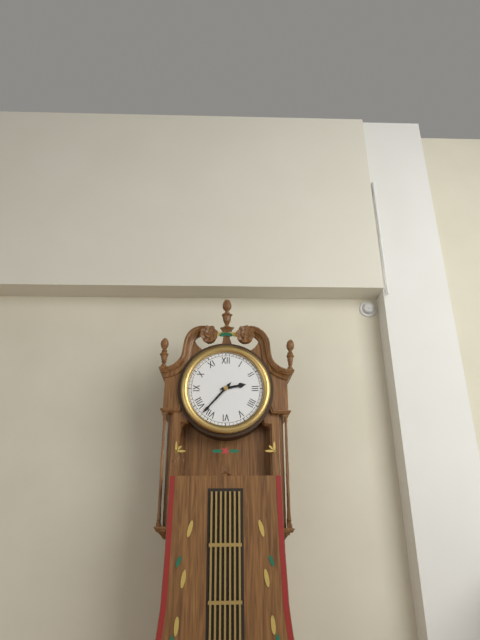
2.37
